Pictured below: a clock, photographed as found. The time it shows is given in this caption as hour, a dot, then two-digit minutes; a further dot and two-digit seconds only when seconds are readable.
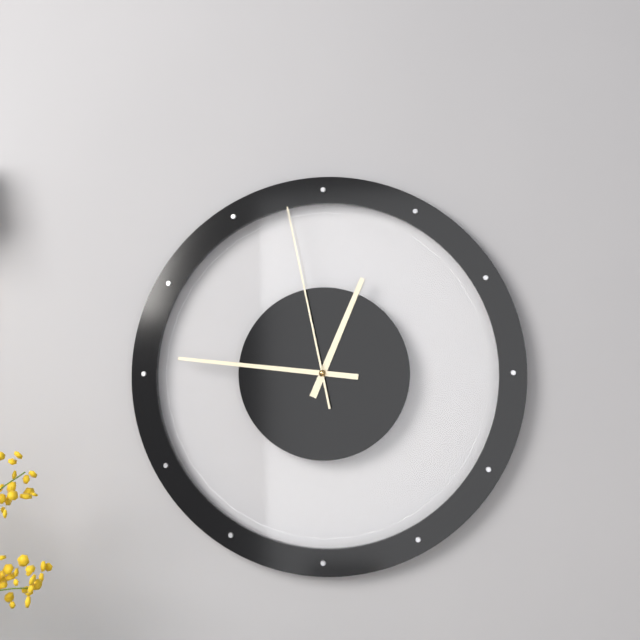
12.46.58
